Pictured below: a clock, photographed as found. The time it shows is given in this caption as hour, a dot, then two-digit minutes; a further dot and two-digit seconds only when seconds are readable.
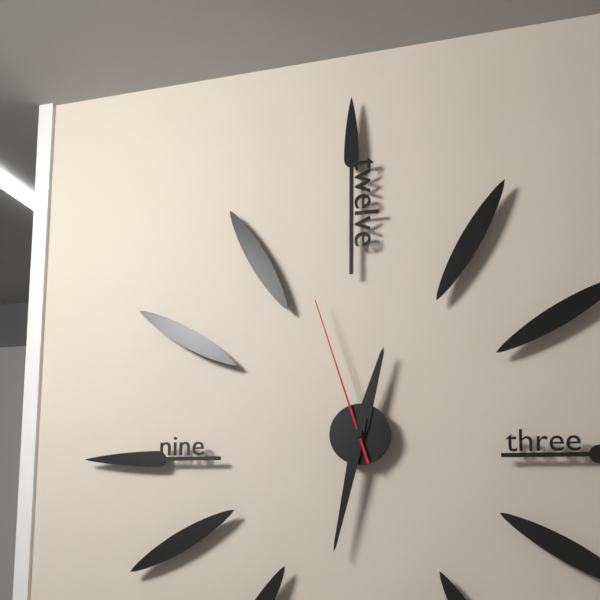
12.32.57
